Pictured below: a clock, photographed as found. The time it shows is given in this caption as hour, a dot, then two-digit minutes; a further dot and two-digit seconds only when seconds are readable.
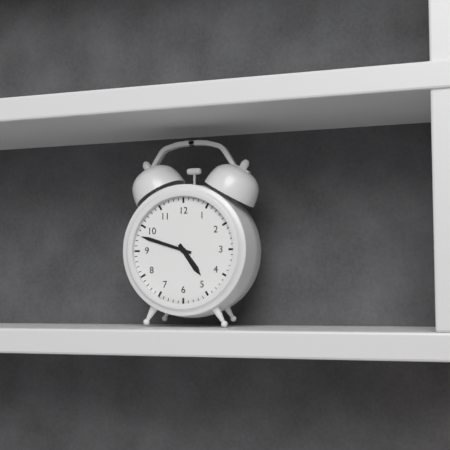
4.48
